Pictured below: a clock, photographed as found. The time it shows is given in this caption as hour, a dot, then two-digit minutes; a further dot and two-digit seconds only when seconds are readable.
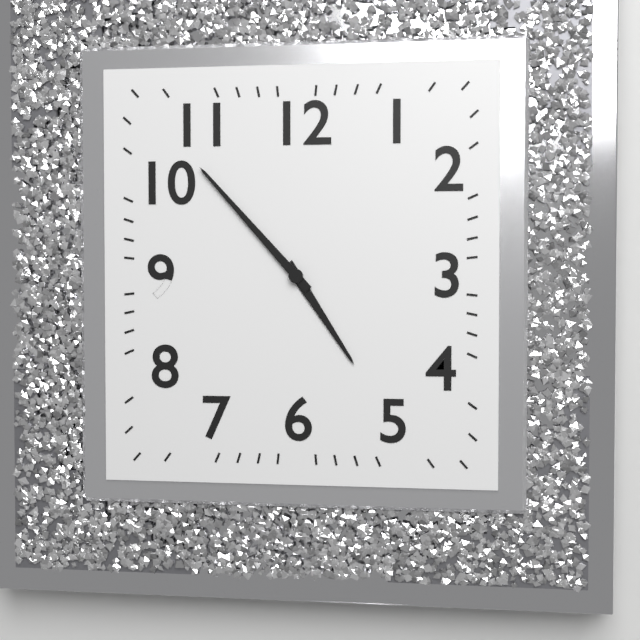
4.53
